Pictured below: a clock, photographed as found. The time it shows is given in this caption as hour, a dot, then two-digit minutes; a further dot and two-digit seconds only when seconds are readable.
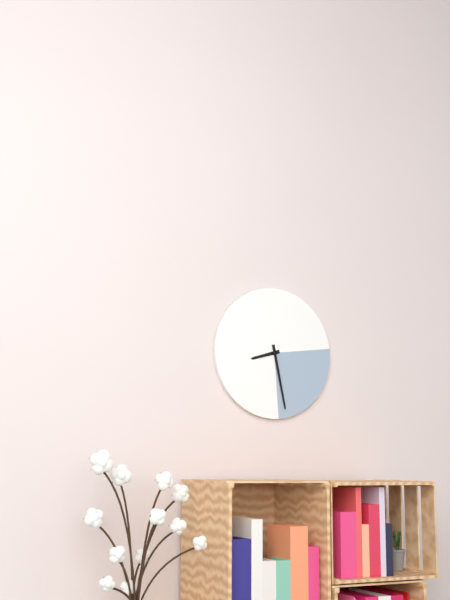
8.28
